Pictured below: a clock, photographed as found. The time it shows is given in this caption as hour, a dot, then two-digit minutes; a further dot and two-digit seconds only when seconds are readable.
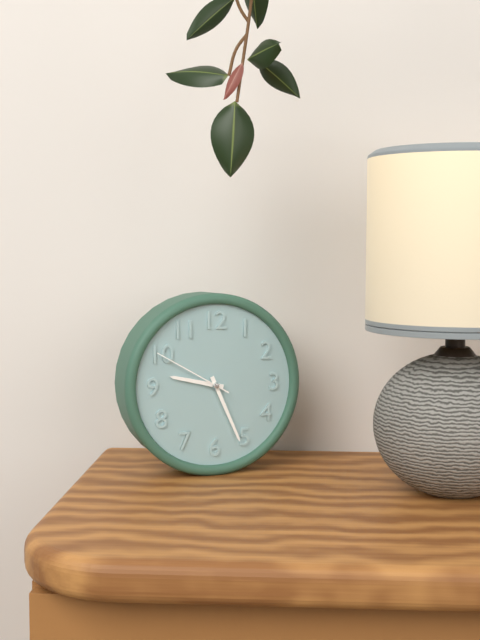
9.26.50
